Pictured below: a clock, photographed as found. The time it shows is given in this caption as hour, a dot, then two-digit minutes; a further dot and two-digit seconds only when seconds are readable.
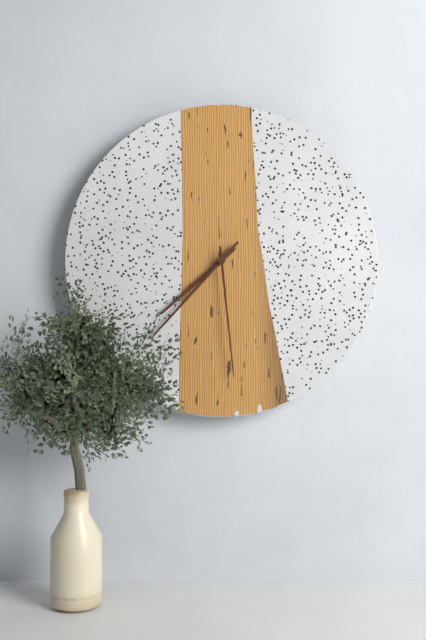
7.37.29
